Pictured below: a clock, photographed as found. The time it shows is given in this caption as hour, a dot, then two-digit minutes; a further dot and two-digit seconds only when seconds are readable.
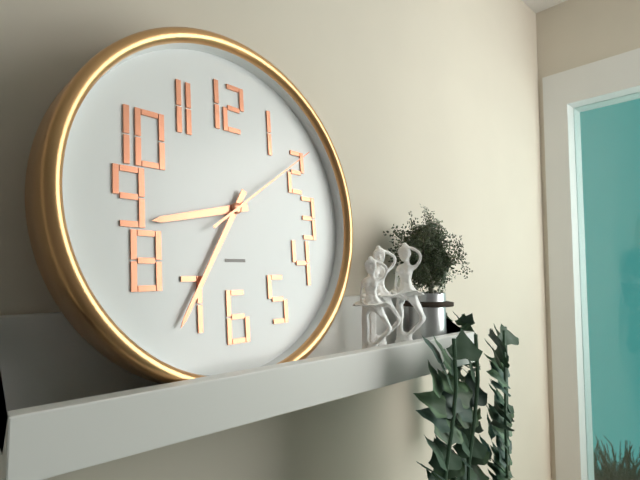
8.35.09
